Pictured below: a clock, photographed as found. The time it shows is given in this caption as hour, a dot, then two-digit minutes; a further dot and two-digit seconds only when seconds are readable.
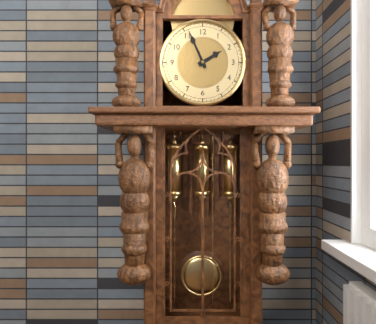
1.56
